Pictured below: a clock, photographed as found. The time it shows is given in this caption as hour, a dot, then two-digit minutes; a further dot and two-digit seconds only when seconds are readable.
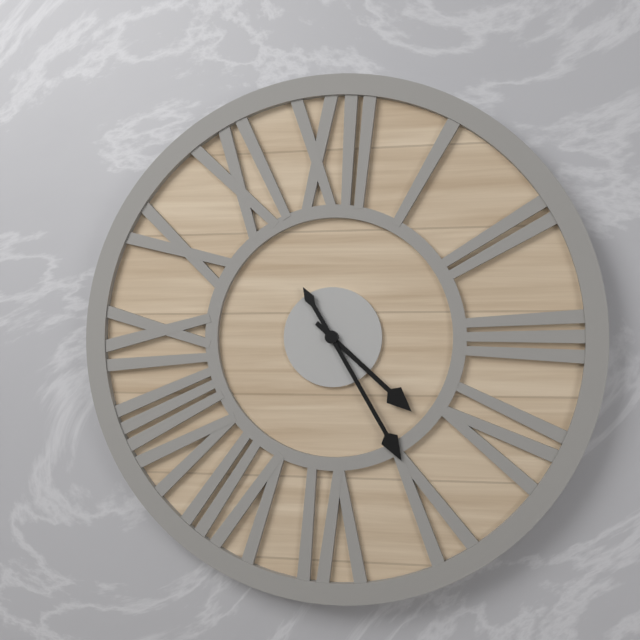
4.25
